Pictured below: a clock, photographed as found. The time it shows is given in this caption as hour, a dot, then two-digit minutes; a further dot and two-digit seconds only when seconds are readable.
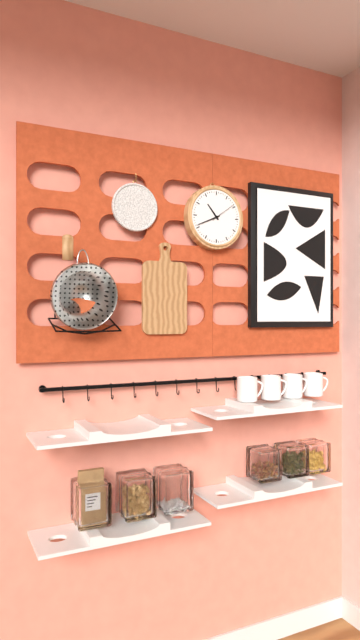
10.41
